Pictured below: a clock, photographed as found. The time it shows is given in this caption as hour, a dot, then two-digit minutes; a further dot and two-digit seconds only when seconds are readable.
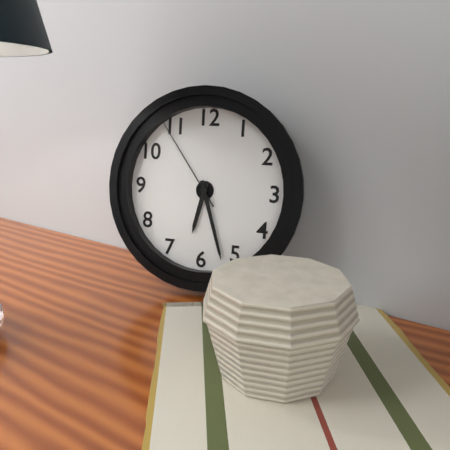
6.27.54
